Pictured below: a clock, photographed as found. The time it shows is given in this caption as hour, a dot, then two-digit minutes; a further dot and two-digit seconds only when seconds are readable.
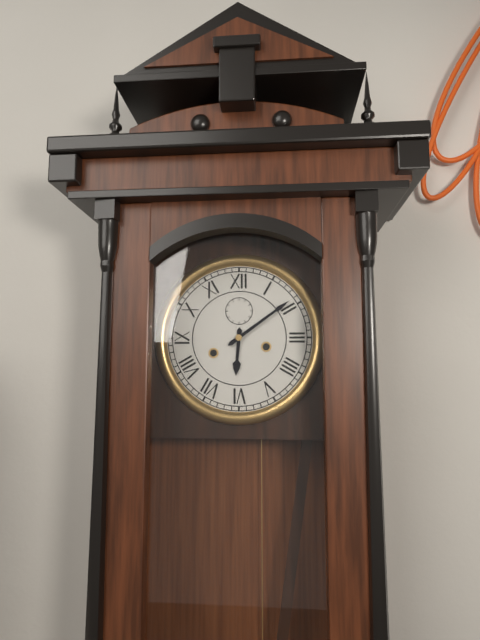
6.09
